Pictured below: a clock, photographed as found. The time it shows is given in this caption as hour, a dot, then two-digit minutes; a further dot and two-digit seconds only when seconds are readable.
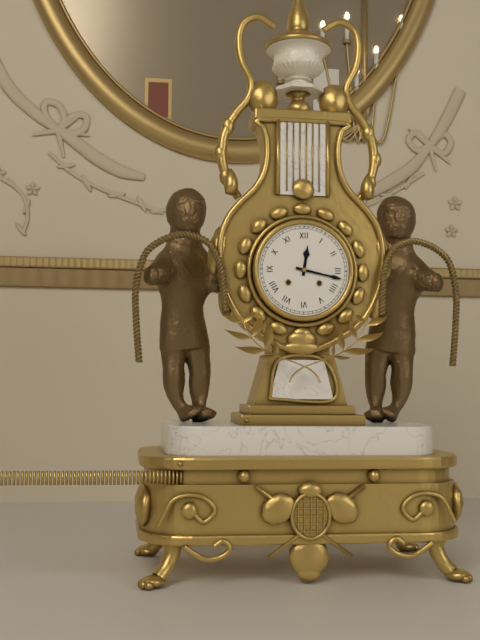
12.17
